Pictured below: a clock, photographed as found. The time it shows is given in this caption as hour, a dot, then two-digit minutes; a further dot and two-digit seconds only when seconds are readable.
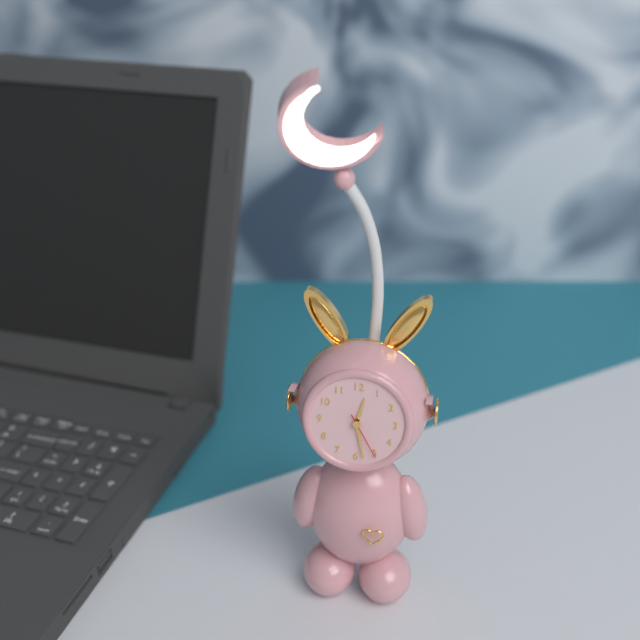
12.28
